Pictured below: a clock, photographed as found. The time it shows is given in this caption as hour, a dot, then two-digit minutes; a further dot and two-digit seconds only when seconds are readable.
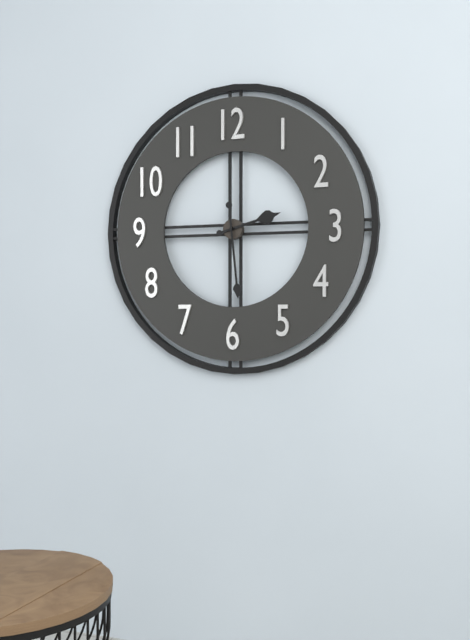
2.29
